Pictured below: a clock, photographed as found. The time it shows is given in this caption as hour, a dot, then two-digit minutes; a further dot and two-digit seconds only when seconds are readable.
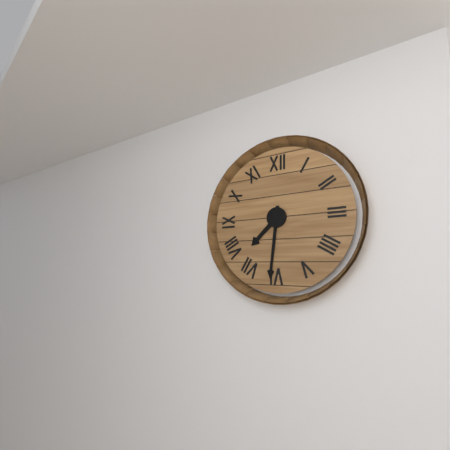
7.31
